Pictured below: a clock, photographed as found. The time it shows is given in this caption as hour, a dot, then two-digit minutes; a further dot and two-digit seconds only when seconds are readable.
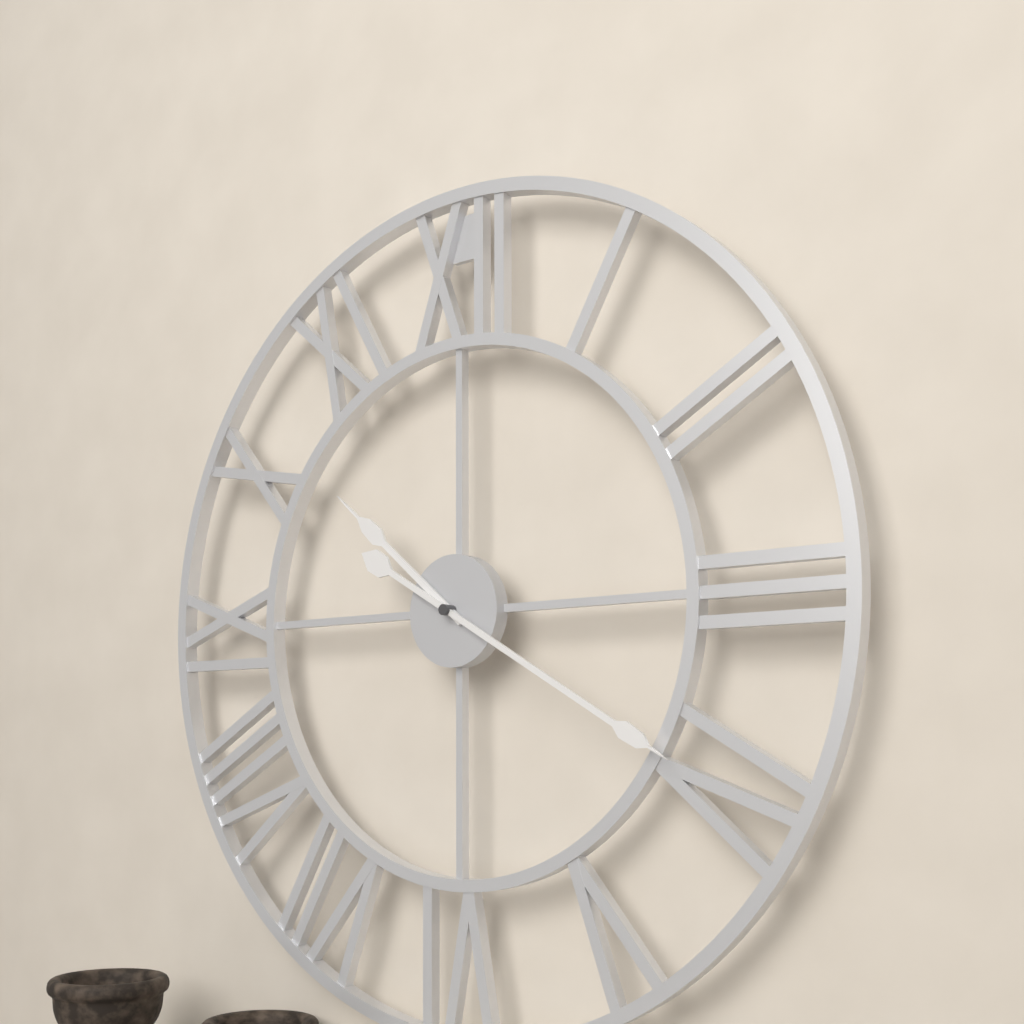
10.20
